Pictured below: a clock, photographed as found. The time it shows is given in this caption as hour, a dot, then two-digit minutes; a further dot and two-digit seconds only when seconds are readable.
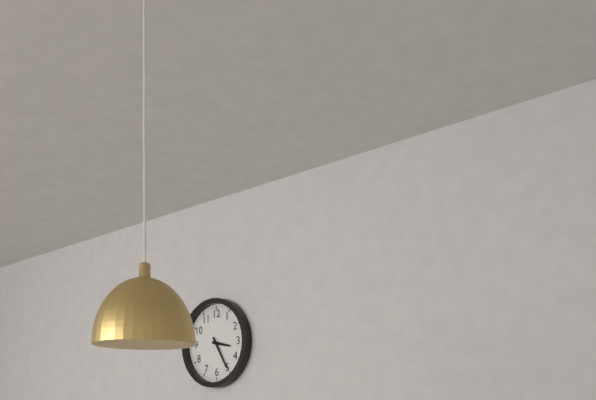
3.25
